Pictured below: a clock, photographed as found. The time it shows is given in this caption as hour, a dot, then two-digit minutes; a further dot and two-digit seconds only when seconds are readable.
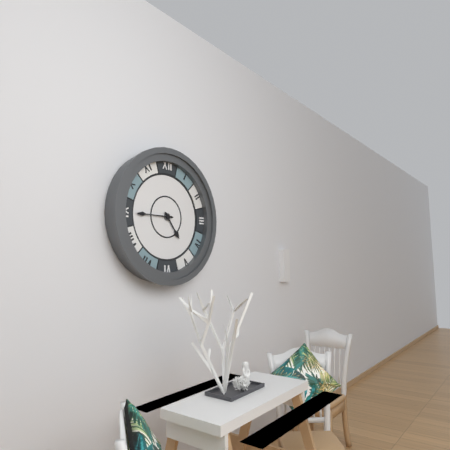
4.45
